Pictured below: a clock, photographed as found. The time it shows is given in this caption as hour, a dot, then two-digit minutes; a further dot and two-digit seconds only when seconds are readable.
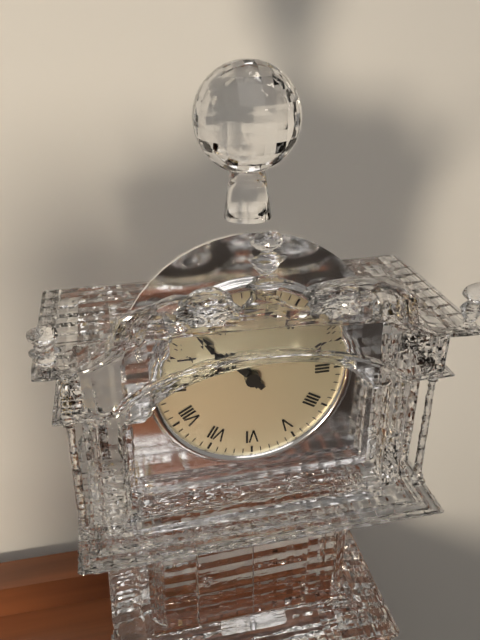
10.53
